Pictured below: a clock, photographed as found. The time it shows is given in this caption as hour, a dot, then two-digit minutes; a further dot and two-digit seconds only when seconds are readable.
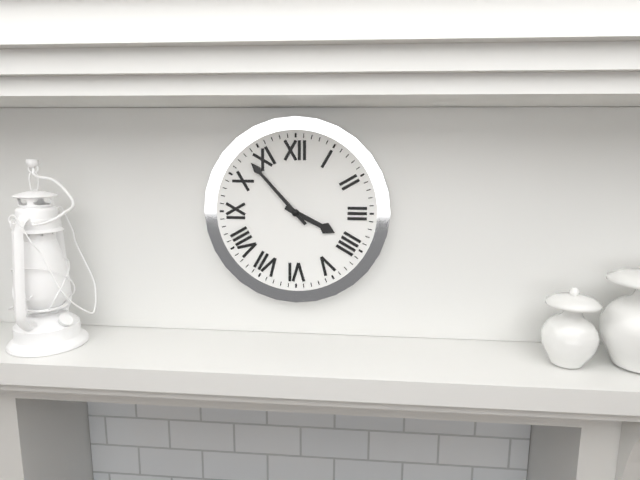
3.53
